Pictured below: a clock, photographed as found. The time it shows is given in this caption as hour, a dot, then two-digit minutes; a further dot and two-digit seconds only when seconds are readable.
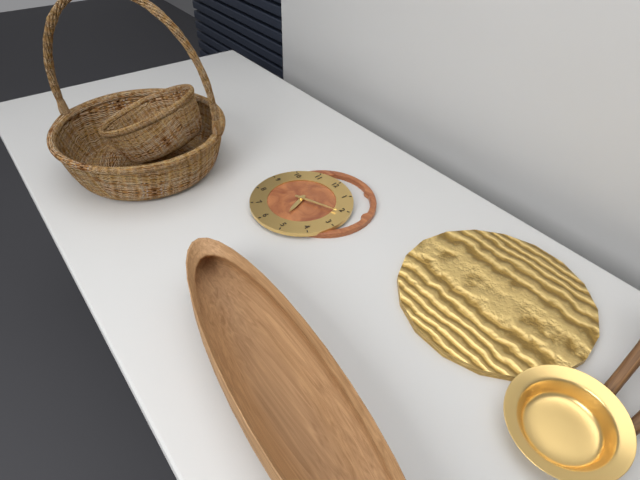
5.11
